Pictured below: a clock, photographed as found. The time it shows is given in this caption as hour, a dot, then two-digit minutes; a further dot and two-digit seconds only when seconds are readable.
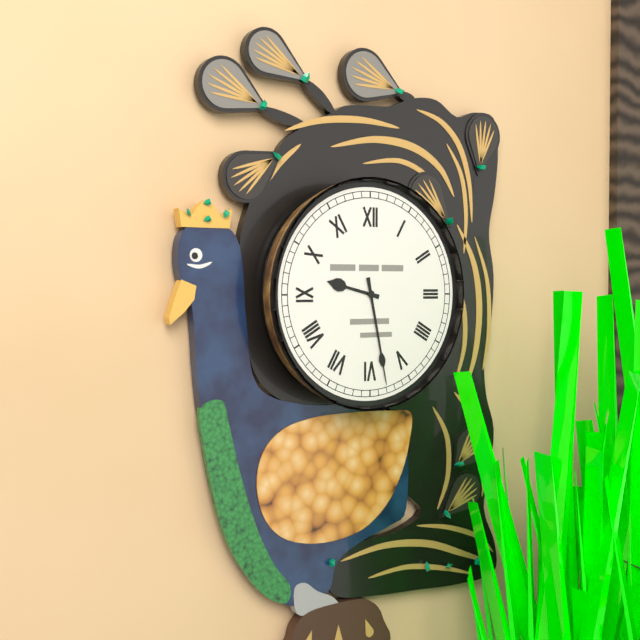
9.28
